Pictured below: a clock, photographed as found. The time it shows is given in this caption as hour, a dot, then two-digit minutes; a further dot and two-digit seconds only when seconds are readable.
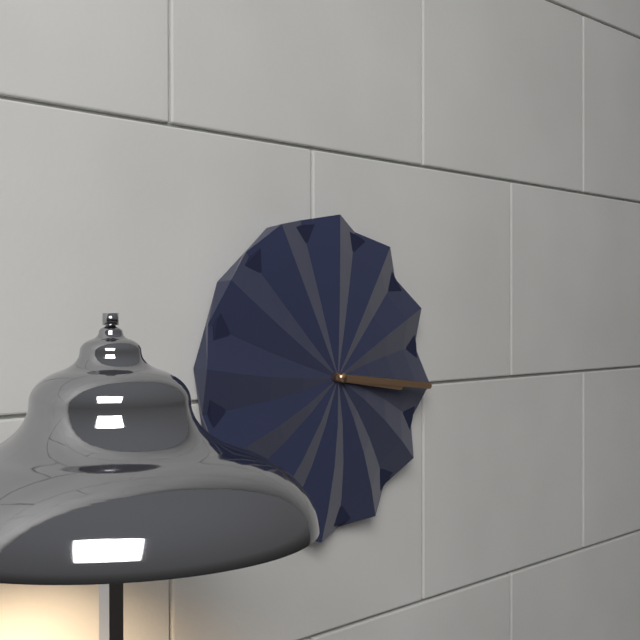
3.16
